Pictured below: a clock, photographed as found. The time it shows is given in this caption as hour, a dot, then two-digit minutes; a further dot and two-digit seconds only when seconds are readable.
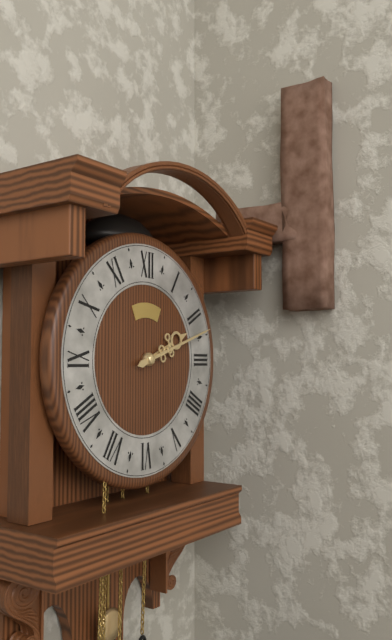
2.12
